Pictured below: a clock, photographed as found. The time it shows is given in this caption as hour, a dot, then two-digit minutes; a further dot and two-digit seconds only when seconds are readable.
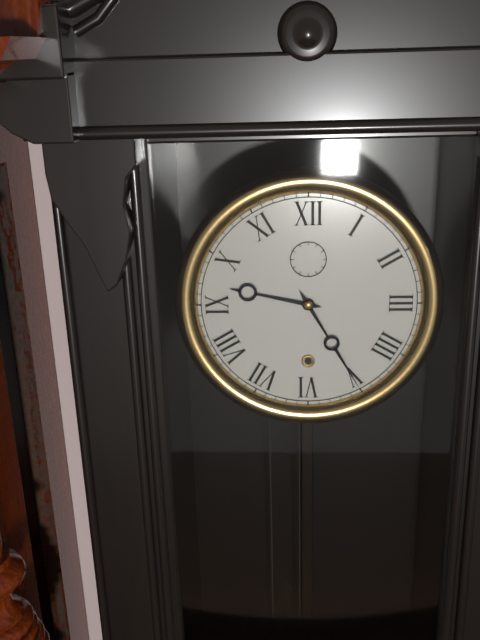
9.25
